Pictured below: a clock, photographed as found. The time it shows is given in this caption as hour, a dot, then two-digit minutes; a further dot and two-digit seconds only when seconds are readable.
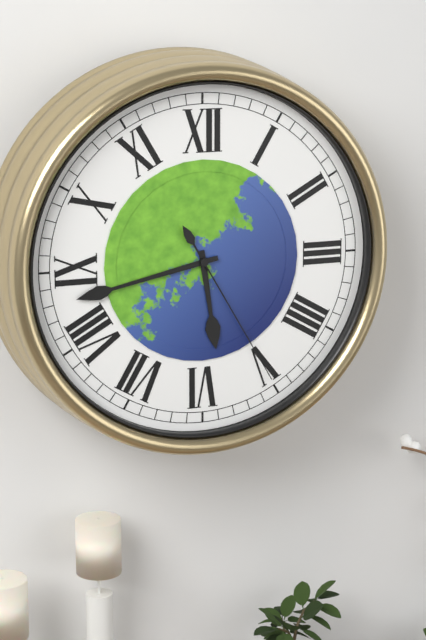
5.43.25
